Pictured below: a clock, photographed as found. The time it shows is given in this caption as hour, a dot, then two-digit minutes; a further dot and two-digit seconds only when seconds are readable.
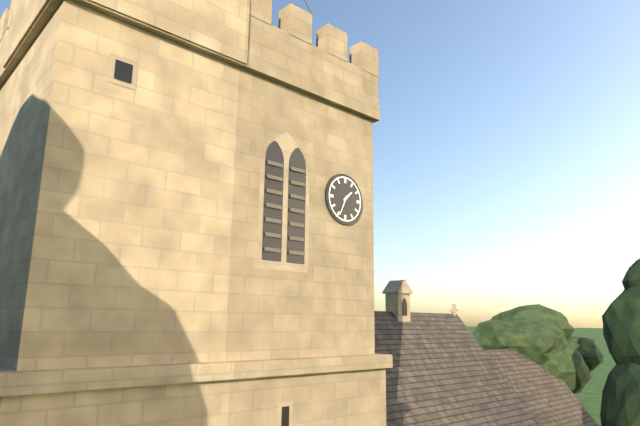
1.34
